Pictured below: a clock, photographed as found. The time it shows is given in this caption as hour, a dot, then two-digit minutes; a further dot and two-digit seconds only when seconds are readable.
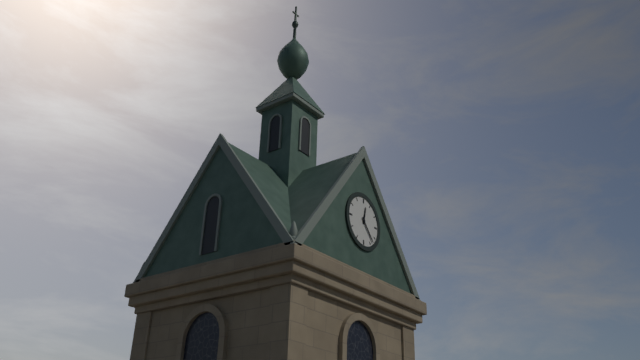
12.23
